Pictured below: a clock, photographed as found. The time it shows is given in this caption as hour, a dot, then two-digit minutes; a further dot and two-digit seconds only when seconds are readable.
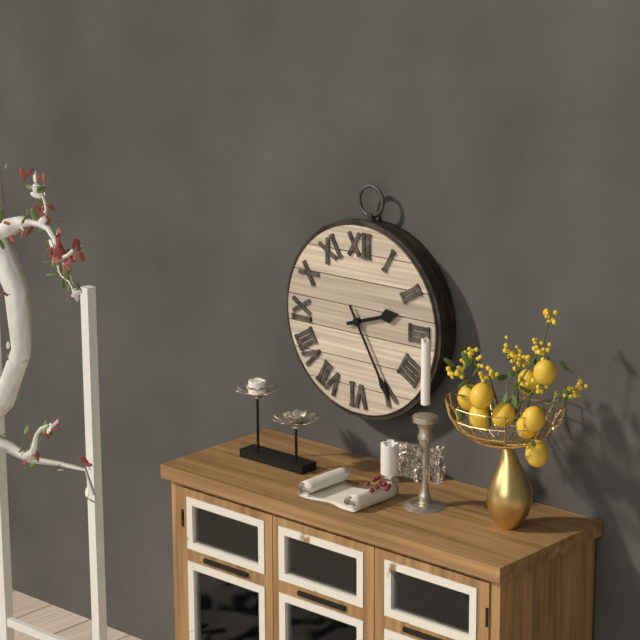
2.25
